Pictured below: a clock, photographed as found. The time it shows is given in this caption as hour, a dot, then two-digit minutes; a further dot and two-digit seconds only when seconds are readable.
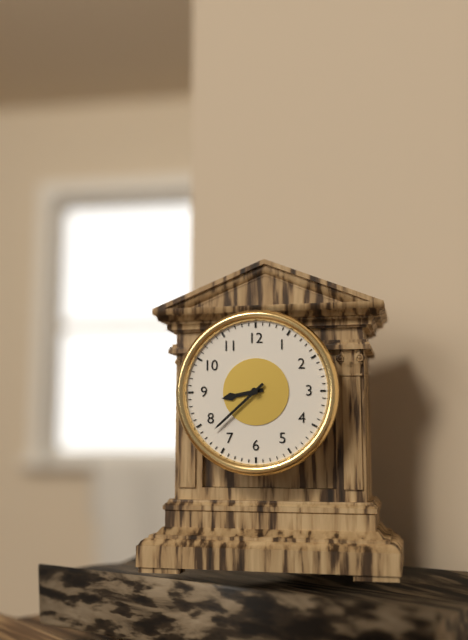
8.38
